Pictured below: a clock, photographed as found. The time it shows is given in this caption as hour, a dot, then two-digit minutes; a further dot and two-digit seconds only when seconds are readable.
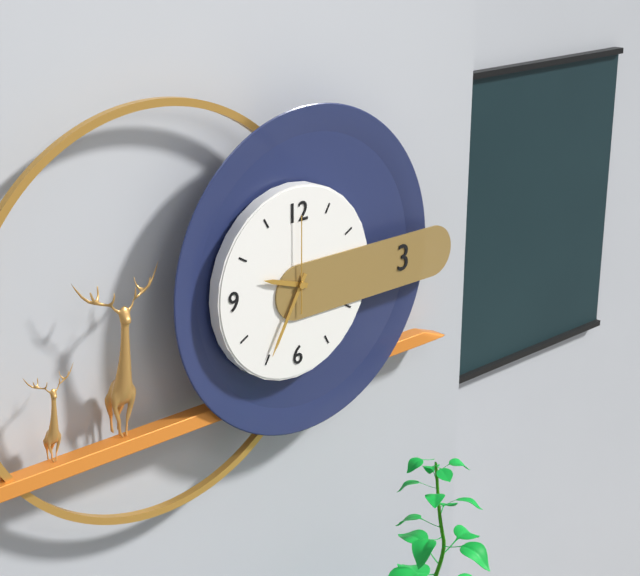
9.35.00
